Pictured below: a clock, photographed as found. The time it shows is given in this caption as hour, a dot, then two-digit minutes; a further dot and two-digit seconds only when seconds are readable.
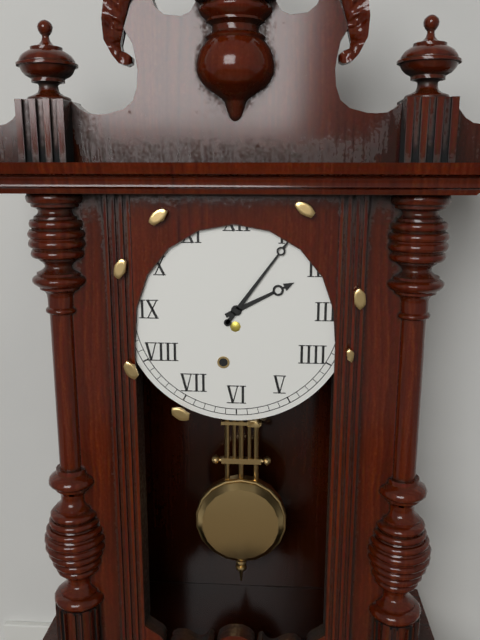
2.06
